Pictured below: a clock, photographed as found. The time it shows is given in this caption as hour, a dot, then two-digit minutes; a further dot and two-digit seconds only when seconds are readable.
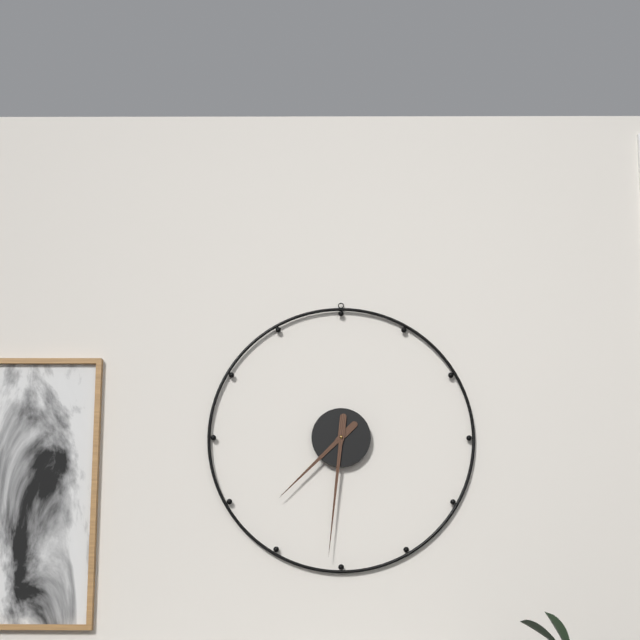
7.31
